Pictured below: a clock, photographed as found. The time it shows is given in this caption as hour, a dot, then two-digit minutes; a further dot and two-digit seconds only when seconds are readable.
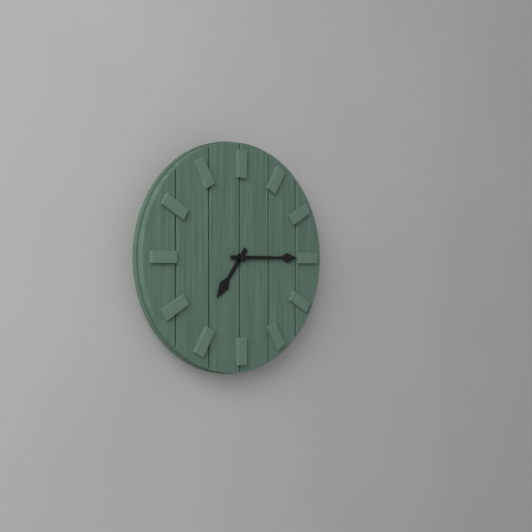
7.15
